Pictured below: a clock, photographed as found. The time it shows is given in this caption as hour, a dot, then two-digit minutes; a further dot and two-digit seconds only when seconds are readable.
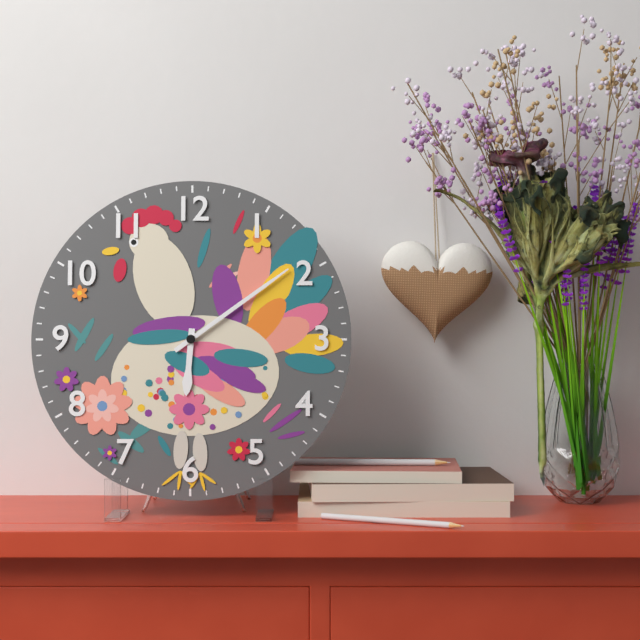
6.09
